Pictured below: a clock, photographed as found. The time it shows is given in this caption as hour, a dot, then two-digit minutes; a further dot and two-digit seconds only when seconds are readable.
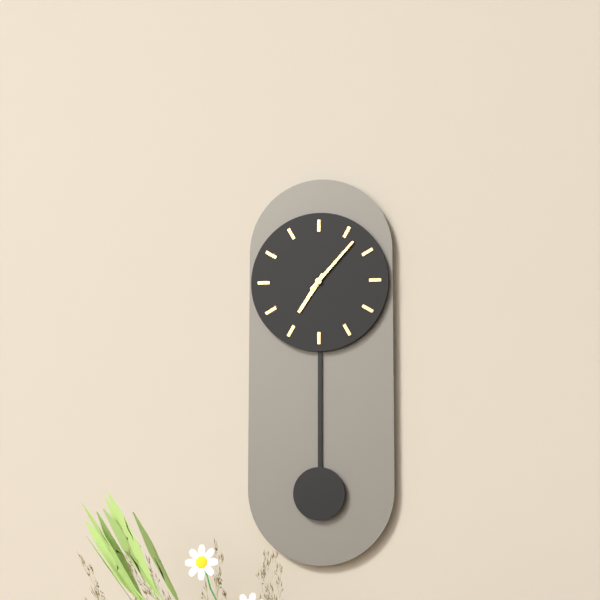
7.07
